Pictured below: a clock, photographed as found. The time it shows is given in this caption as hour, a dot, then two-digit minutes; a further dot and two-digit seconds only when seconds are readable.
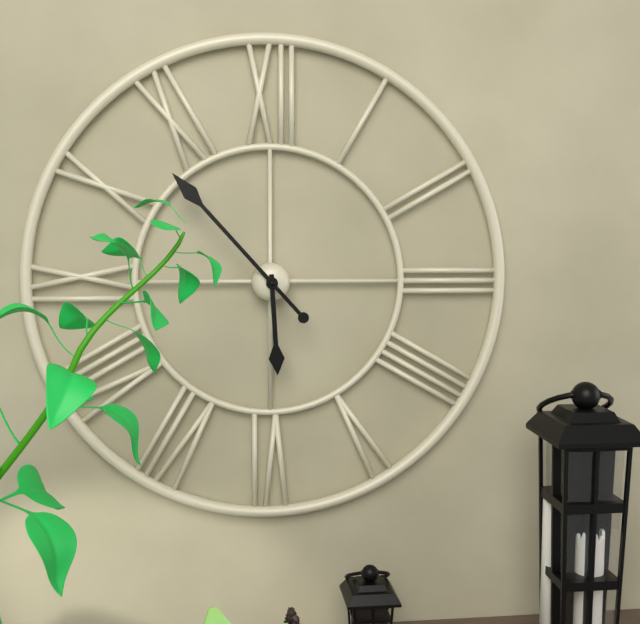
5.53
